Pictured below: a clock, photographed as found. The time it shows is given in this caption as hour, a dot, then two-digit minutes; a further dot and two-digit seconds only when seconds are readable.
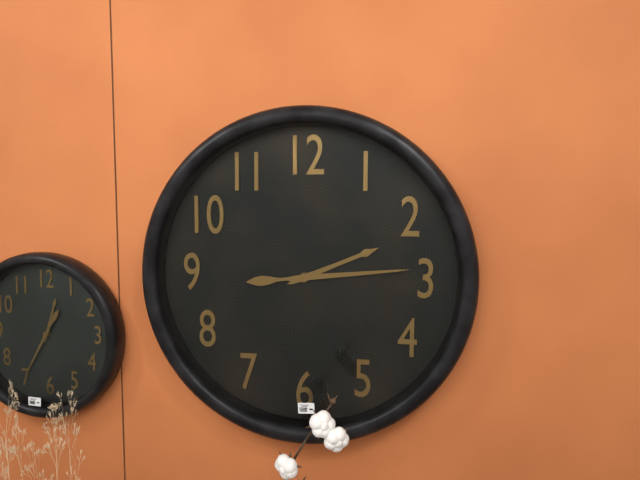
2.14
